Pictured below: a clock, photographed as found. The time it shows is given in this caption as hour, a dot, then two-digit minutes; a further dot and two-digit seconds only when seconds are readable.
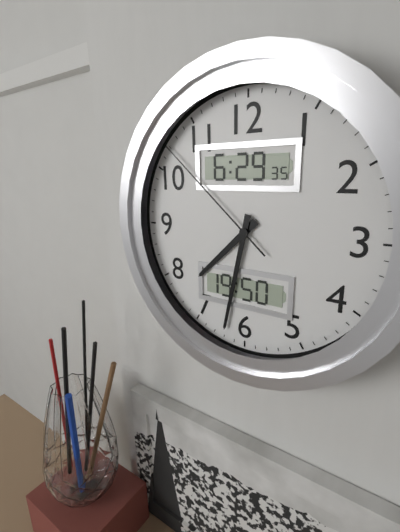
7.32.52
